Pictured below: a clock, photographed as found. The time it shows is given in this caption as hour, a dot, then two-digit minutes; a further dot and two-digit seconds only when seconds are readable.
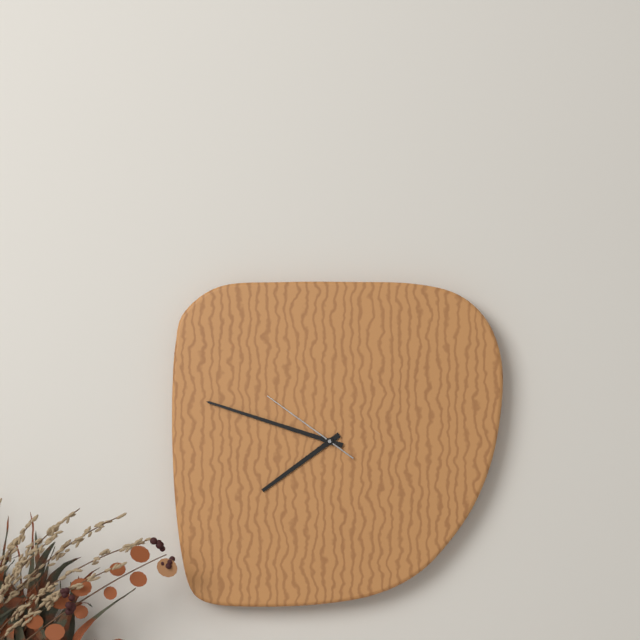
7.48.51
